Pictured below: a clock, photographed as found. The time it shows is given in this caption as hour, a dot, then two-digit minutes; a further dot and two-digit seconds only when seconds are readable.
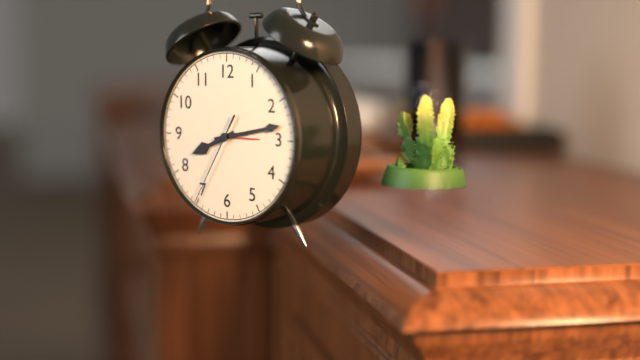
8.13.35
